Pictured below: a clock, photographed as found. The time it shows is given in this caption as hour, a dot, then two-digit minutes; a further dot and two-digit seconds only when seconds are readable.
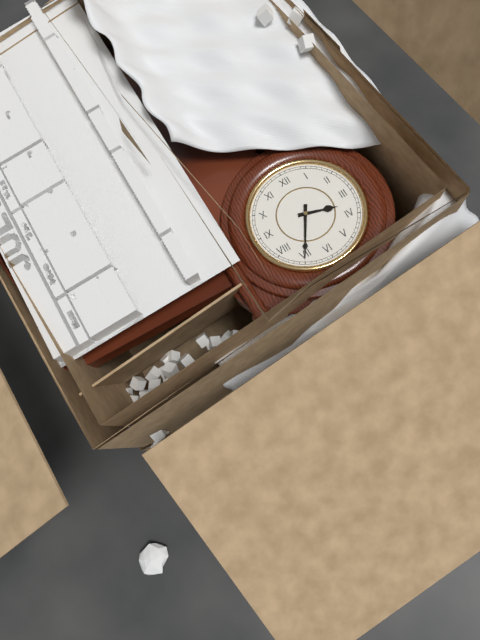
3.35
